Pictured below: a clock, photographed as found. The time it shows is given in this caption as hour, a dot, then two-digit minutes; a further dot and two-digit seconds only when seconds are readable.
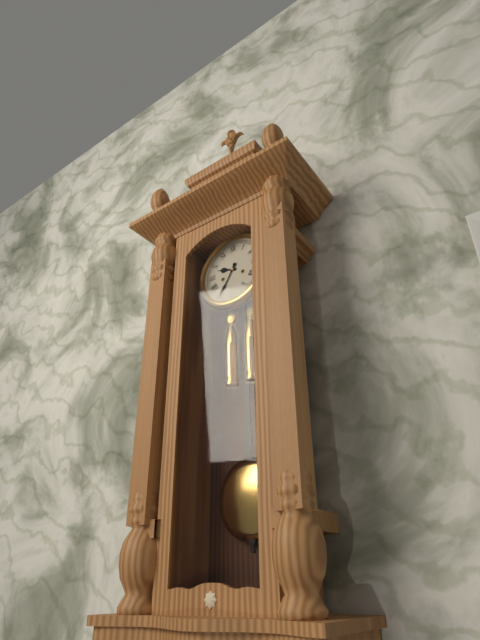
9.35
